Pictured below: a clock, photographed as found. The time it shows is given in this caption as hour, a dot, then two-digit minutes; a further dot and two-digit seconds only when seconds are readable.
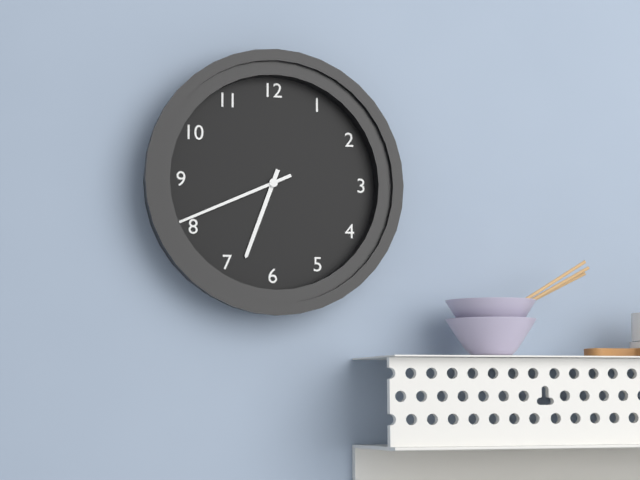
6.41
